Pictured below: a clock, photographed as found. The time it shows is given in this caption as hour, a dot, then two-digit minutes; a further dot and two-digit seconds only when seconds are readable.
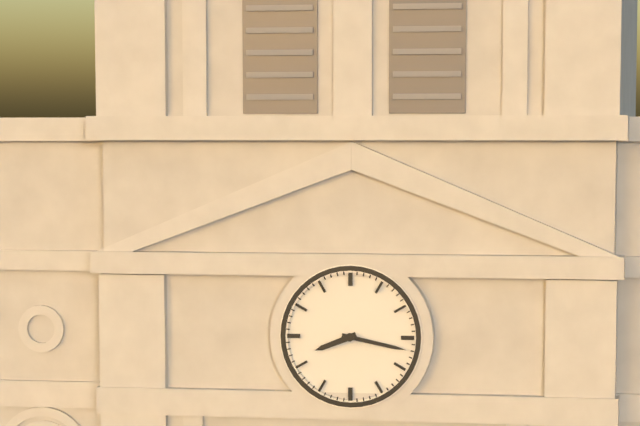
8.17
